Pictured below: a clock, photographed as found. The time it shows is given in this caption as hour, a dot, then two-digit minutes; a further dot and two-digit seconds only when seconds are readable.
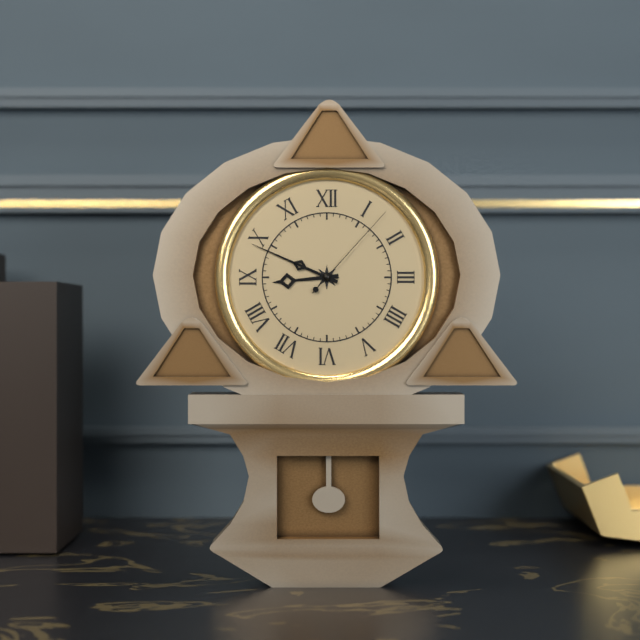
8.49.07
